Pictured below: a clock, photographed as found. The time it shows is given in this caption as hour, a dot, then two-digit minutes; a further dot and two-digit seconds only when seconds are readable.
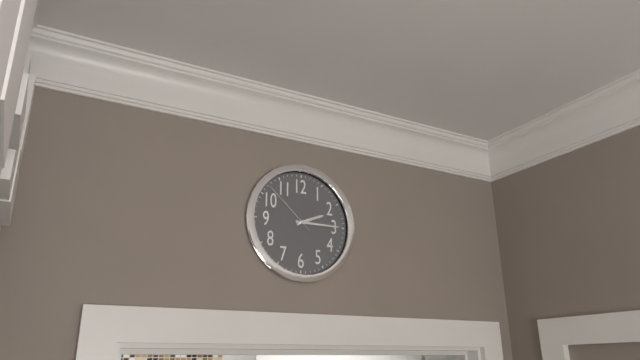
2.15.52
